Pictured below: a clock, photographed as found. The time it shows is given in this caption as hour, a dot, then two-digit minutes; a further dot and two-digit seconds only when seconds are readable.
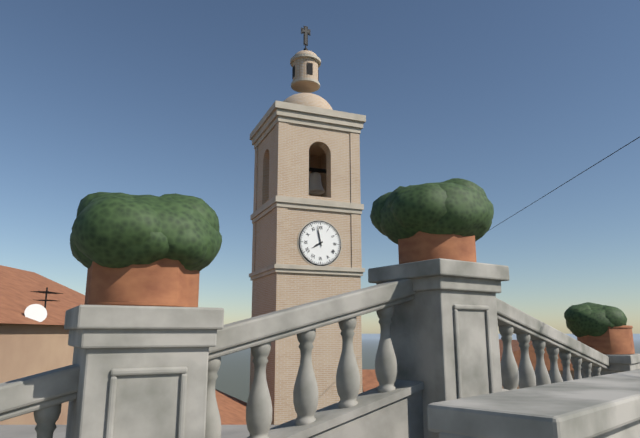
7.58
